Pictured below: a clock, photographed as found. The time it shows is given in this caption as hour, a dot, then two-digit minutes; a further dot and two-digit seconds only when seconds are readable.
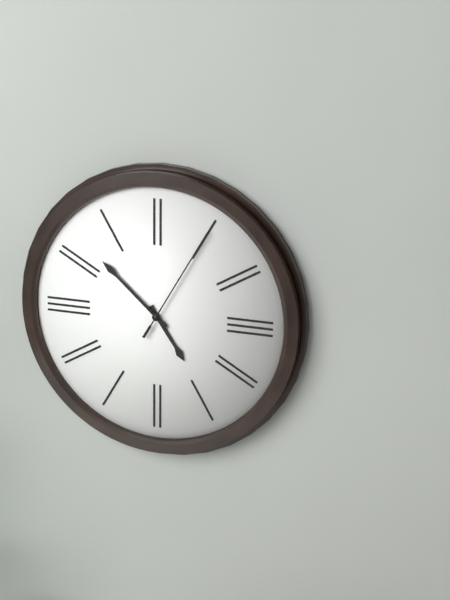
4.52.05
